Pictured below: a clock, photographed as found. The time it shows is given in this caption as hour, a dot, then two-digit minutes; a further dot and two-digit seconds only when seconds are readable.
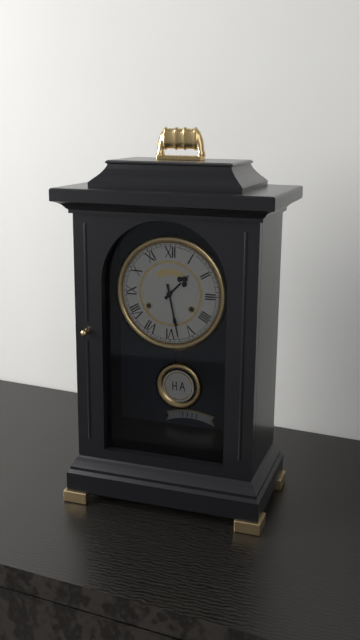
1.28
